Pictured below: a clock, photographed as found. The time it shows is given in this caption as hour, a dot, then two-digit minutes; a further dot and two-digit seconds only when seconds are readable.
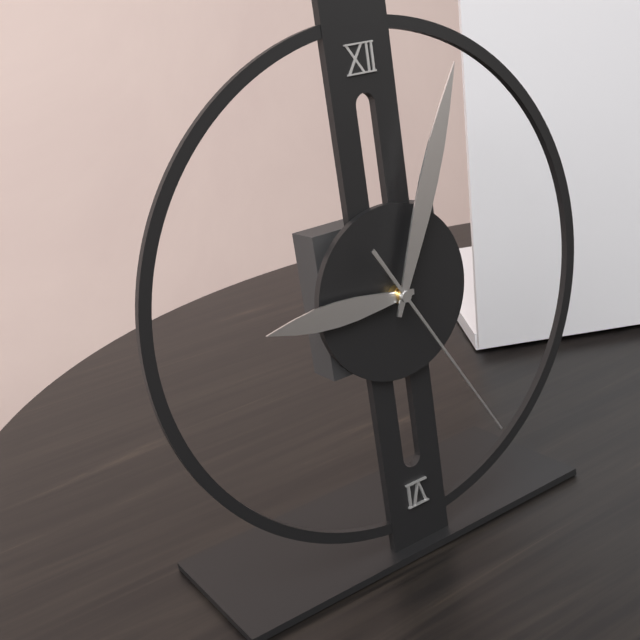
9.04.25
